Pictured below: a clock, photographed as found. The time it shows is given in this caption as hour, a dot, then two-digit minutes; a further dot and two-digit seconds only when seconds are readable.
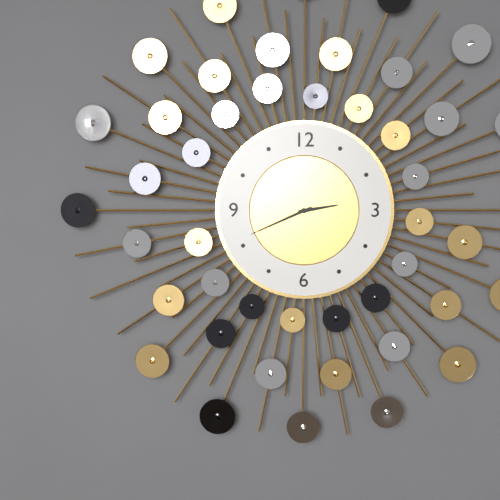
2.41
